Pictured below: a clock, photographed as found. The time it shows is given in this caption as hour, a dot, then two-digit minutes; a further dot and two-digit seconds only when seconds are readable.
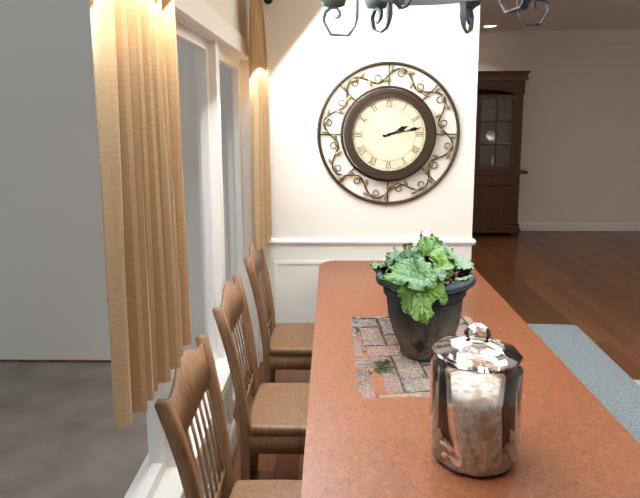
2.13
